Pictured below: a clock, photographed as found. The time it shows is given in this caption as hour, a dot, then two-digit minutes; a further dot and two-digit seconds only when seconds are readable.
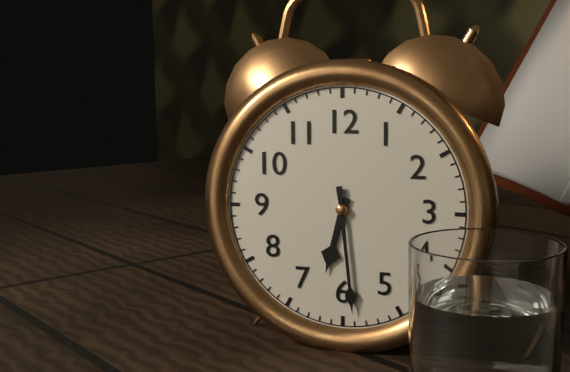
6.29
